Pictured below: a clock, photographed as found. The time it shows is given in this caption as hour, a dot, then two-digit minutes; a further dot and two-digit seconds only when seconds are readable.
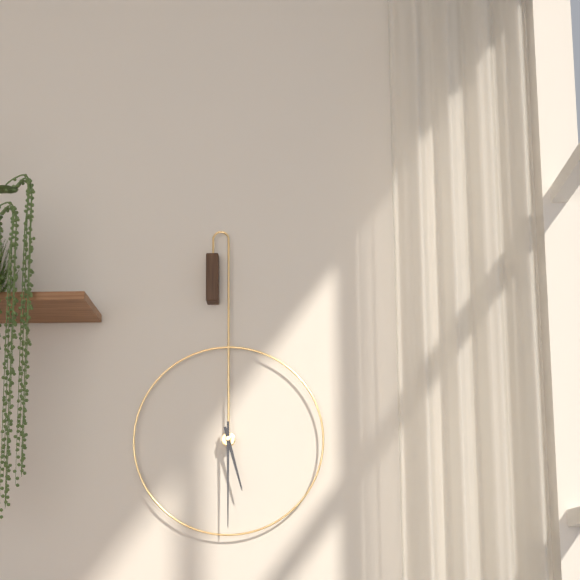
5.30
